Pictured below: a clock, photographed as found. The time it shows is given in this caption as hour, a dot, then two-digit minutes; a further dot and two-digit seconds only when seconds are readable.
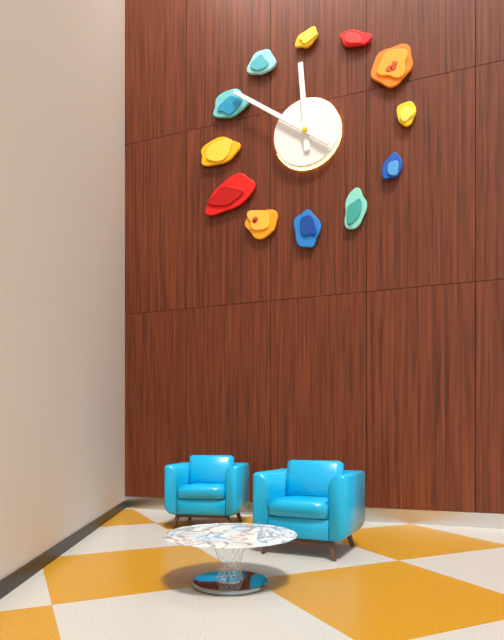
11.51
